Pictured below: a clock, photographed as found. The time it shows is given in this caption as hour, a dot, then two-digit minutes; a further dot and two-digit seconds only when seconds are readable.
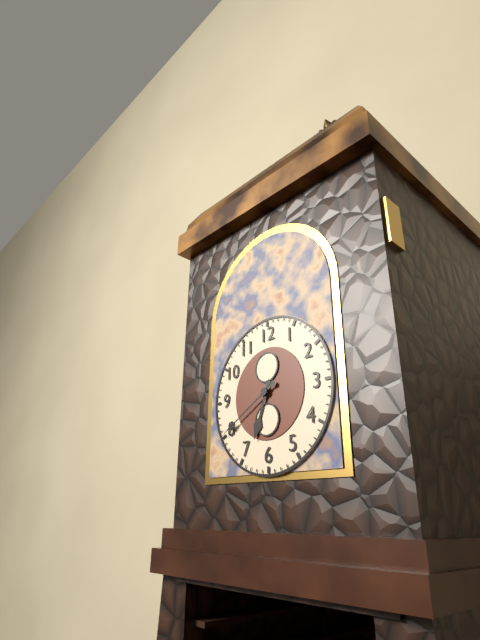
6.40
